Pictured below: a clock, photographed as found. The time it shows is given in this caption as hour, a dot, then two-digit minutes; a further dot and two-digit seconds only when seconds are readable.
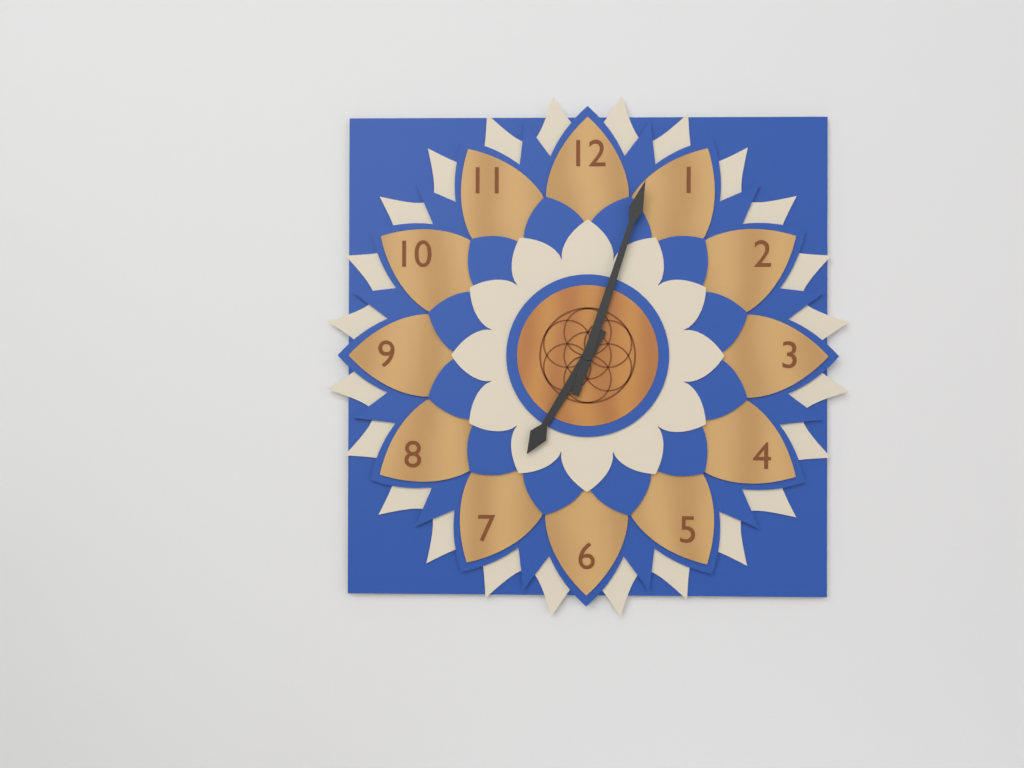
7.03
